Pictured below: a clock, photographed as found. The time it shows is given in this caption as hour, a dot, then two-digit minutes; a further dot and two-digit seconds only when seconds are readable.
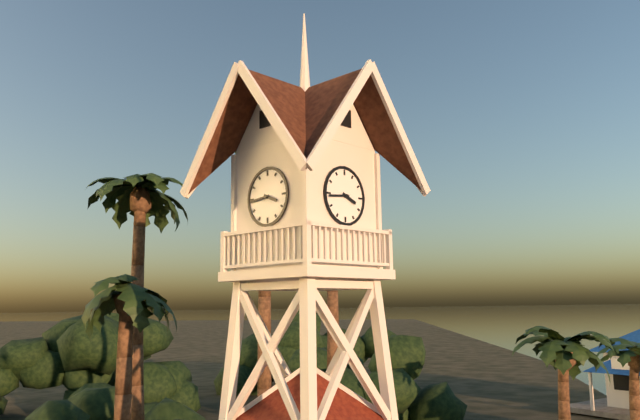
3.44
